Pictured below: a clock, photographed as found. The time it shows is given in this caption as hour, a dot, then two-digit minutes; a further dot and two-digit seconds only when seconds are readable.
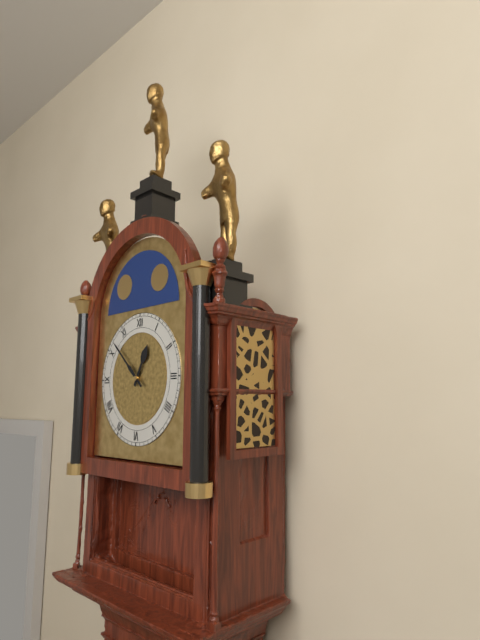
12.52
